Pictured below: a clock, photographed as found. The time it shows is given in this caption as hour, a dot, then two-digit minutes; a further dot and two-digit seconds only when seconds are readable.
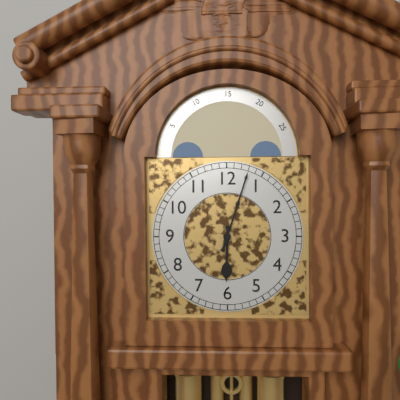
6.03
